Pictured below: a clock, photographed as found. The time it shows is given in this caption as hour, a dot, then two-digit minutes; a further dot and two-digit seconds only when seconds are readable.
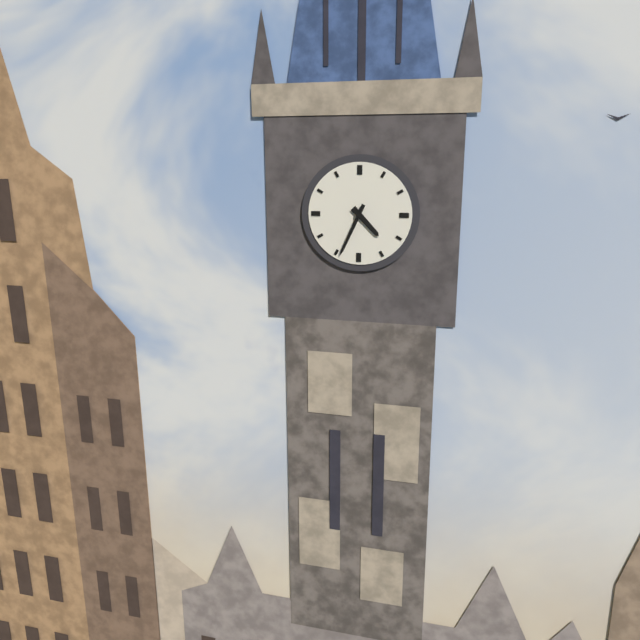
4.34
